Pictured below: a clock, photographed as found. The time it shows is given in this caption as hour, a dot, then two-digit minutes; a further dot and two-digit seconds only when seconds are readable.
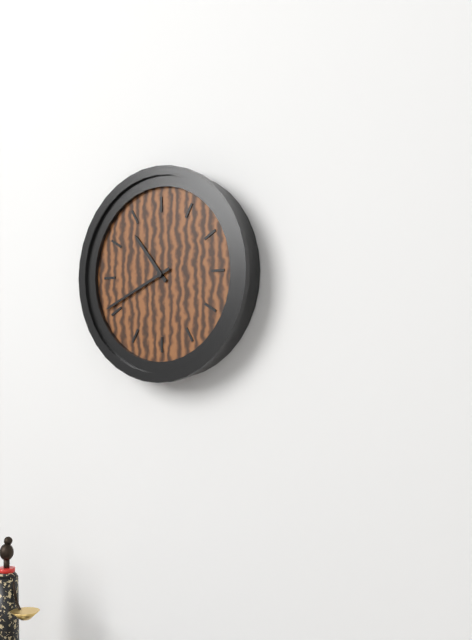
10.41
